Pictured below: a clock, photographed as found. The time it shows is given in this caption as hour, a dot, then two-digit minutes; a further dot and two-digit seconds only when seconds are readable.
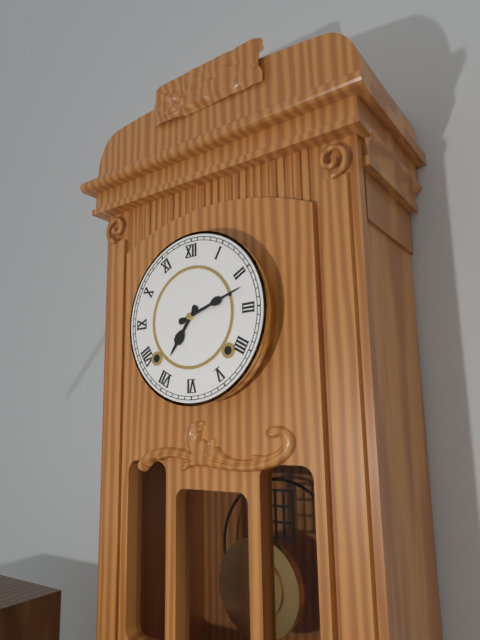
7.12
